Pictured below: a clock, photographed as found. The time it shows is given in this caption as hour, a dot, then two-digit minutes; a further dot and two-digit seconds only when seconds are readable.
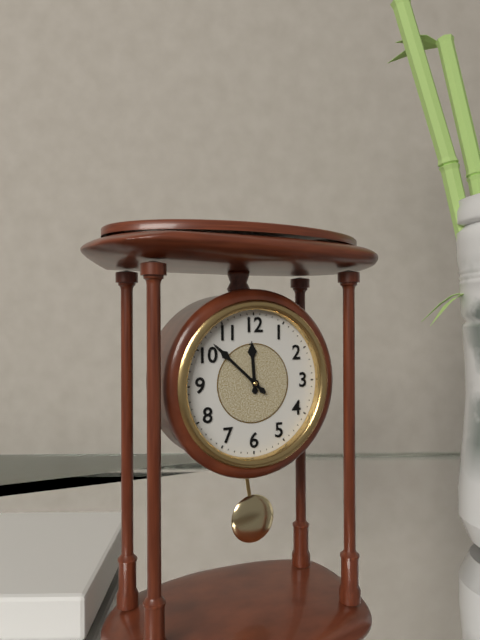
11.52
